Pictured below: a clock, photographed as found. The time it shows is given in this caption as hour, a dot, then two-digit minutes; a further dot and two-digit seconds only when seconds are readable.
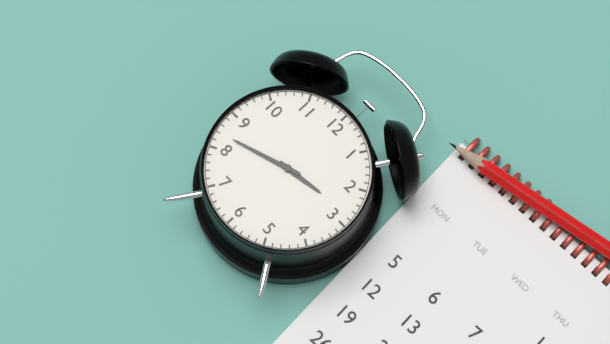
2.42
